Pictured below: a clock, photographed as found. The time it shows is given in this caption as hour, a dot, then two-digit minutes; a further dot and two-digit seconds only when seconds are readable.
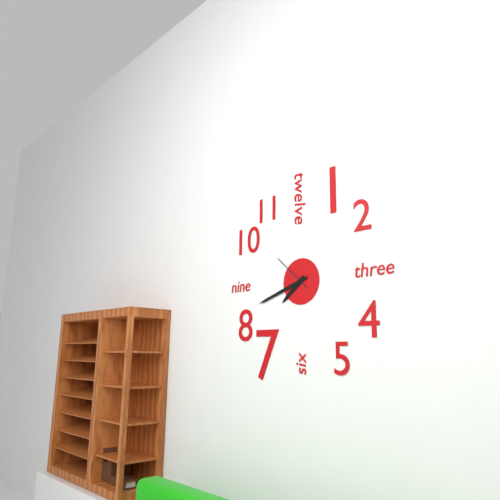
7.42
